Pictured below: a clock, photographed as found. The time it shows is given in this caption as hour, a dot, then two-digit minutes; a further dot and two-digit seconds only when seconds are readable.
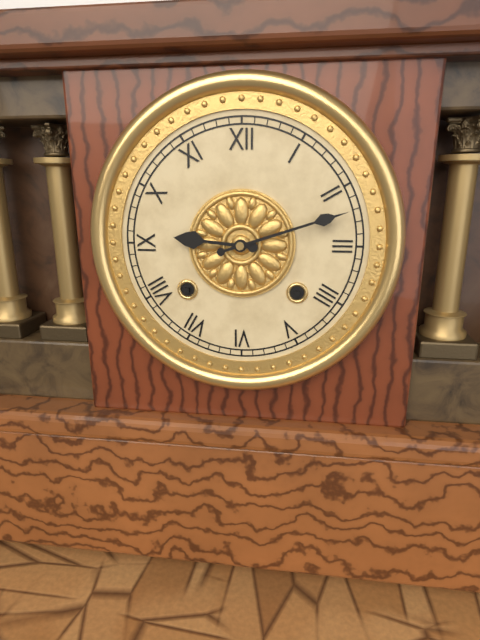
9.12
